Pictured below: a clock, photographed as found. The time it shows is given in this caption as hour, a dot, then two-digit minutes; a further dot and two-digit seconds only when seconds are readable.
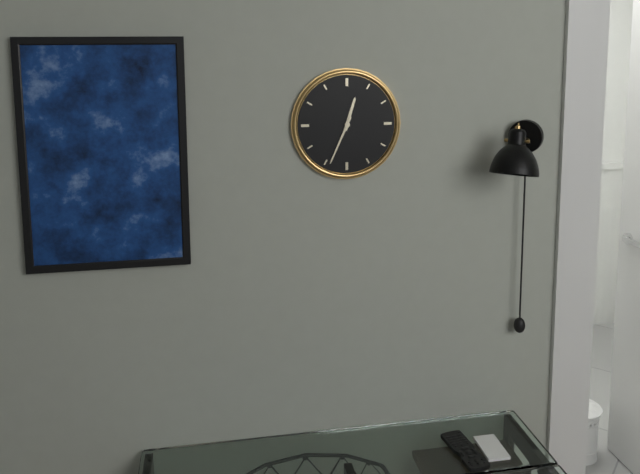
12.34
